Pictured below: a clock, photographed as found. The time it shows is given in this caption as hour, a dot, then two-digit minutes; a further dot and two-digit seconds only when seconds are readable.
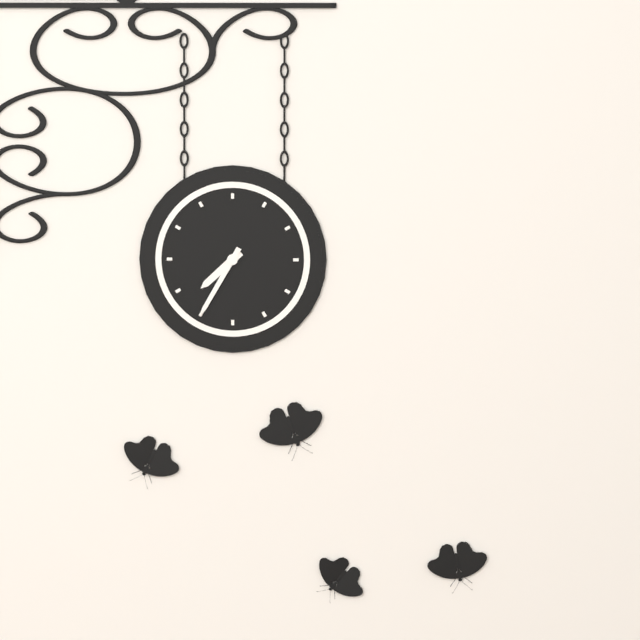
7.35
